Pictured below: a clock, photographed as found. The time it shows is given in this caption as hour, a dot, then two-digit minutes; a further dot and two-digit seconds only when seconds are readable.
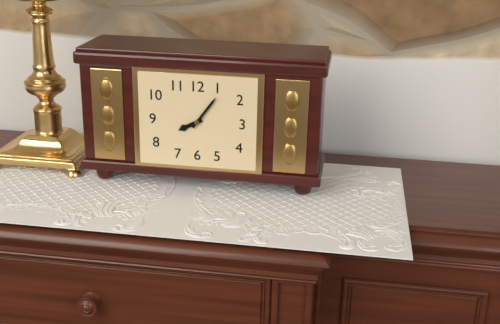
8.06
